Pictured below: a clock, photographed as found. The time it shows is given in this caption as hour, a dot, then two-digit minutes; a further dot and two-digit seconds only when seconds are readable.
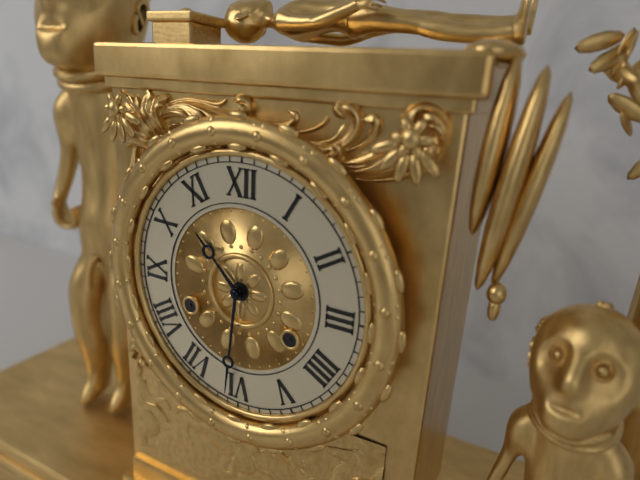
10.31
